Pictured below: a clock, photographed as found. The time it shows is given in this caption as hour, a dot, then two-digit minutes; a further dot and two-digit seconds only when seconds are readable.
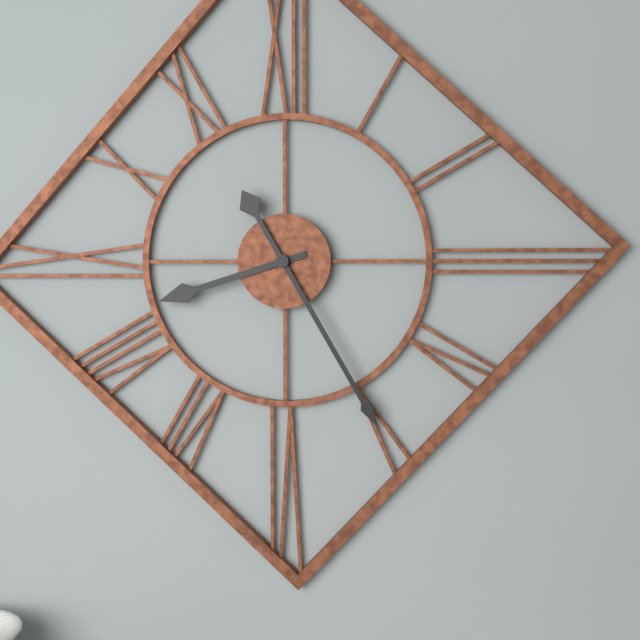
8.25
